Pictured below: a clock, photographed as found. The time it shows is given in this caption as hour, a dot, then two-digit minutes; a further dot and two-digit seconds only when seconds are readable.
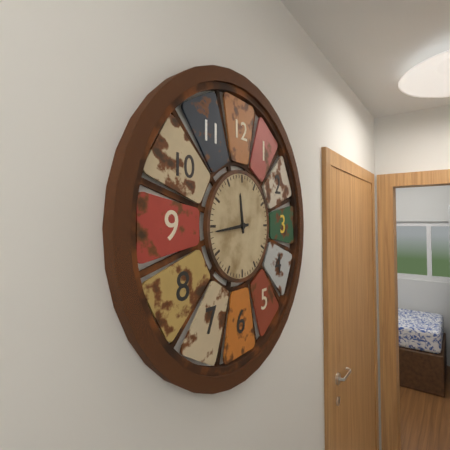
11.44
